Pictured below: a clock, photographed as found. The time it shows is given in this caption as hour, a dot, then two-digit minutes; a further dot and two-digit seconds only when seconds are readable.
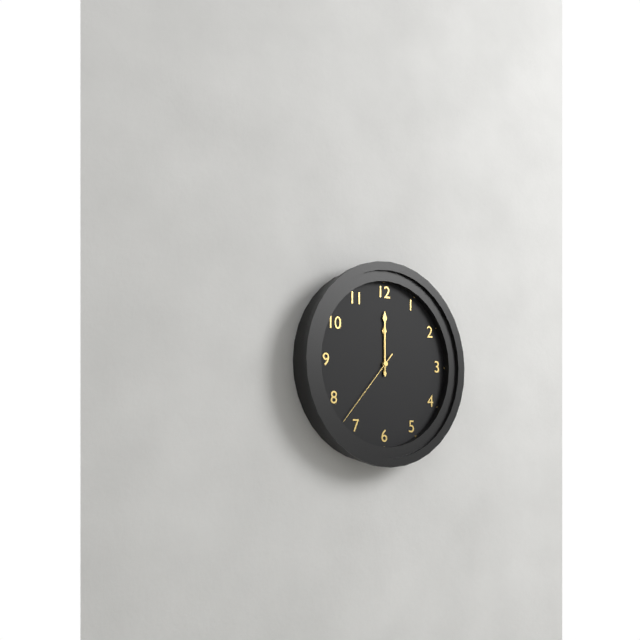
12.00.37
